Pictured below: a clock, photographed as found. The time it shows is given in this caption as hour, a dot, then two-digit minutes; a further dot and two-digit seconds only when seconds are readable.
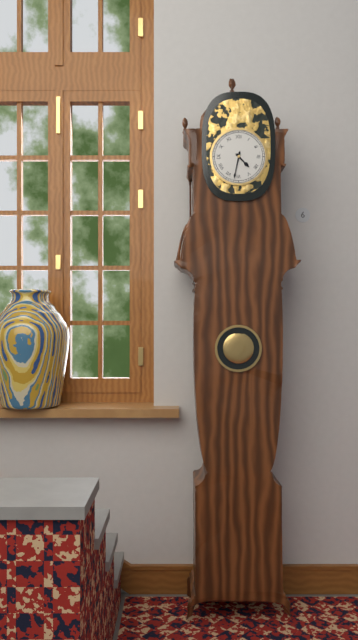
4.32
